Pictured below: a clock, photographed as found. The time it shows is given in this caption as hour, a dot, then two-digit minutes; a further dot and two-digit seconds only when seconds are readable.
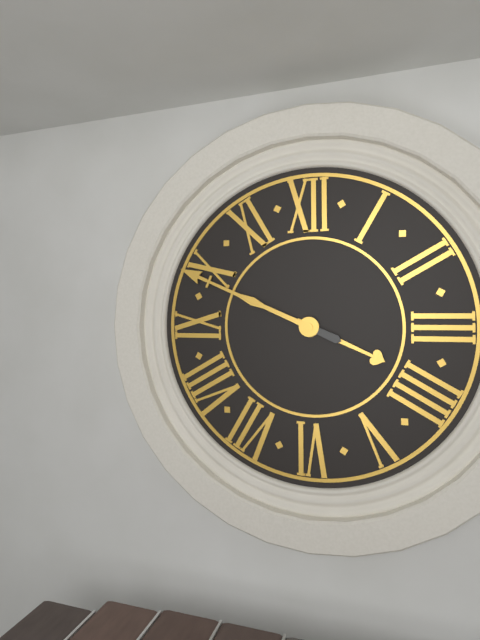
3.49
